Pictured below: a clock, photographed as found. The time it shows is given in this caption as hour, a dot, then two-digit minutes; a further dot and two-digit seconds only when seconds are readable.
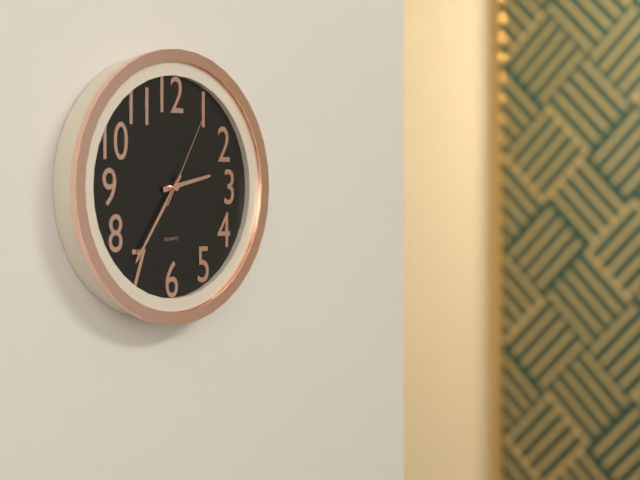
2.36.05
